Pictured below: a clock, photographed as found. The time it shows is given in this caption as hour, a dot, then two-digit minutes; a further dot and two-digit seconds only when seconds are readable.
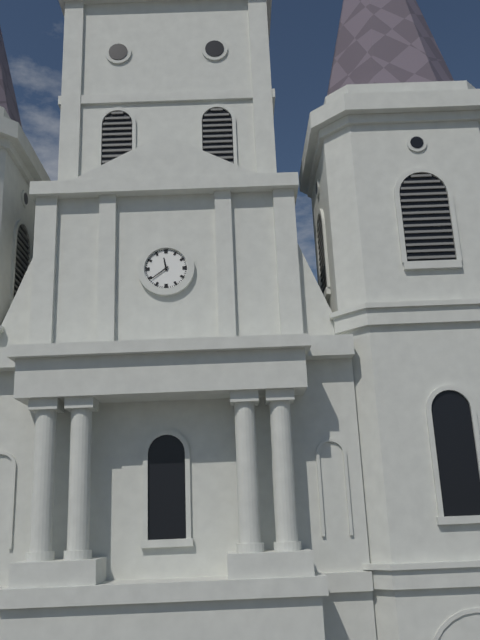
11.39
